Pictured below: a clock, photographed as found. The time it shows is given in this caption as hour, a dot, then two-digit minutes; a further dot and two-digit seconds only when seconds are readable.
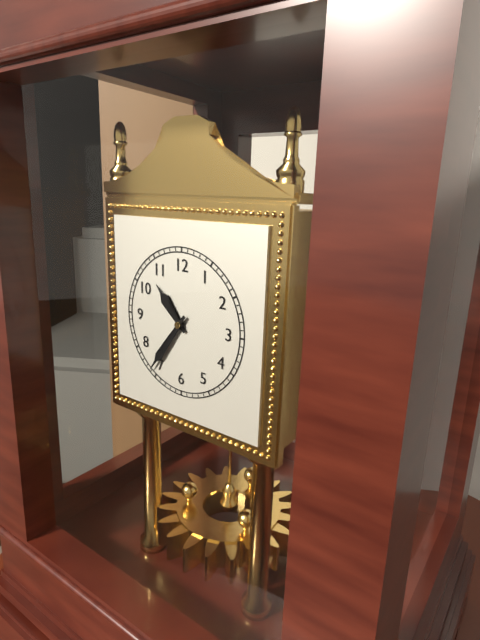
10.36
